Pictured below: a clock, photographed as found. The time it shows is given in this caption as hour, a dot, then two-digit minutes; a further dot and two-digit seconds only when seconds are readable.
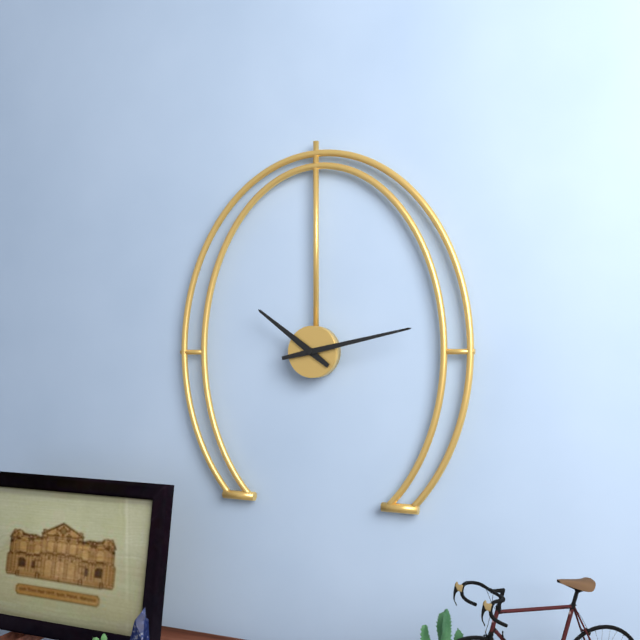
10.13
